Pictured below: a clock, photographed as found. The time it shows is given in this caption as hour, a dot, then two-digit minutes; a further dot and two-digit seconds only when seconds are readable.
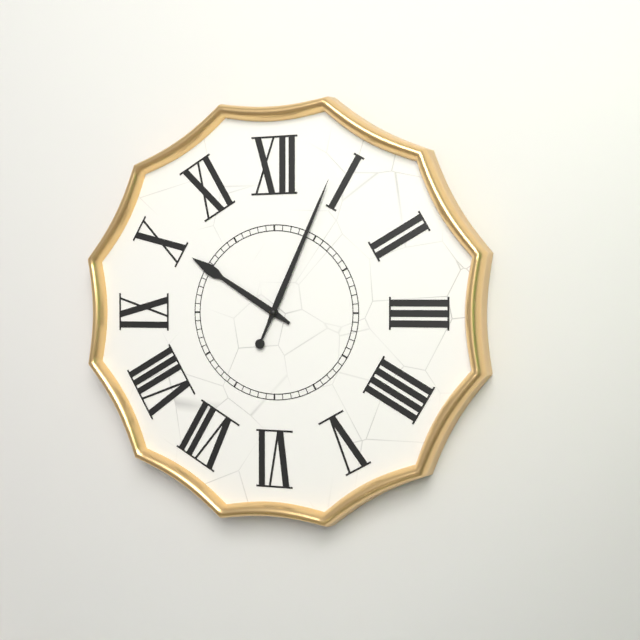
10.04
